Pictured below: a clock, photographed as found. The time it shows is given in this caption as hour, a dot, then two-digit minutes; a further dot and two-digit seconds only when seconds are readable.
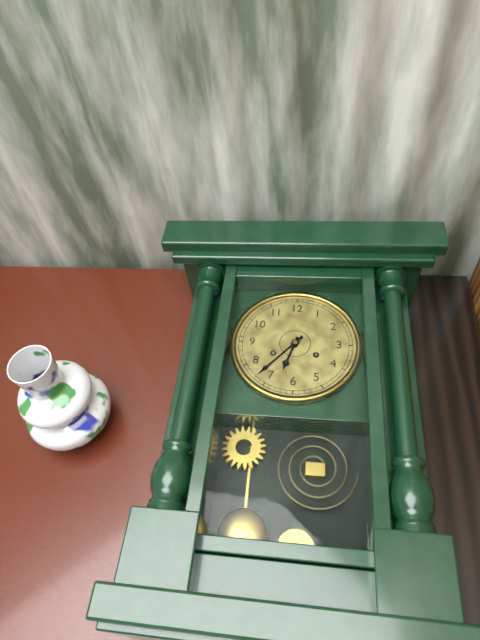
6.37
